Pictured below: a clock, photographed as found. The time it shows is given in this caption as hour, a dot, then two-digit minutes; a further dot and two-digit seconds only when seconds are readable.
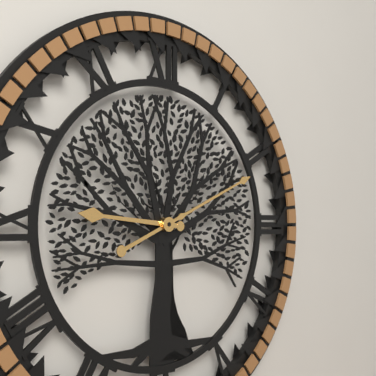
9.11
